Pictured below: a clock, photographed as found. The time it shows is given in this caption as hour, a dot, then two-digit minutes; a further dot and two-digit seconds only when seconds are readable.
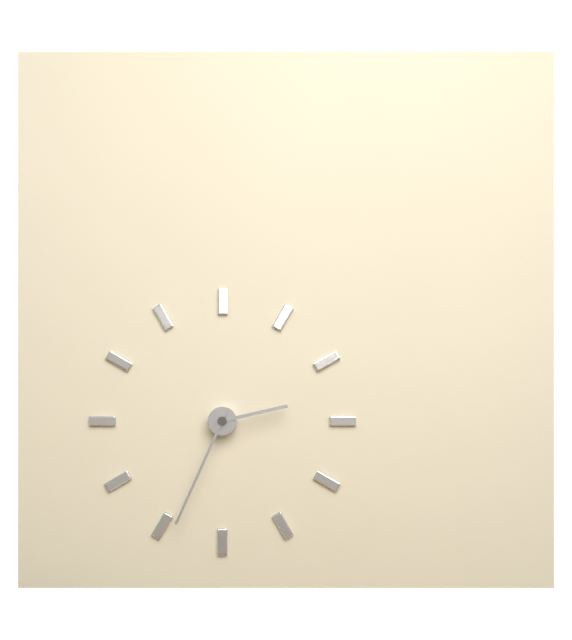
2.34
